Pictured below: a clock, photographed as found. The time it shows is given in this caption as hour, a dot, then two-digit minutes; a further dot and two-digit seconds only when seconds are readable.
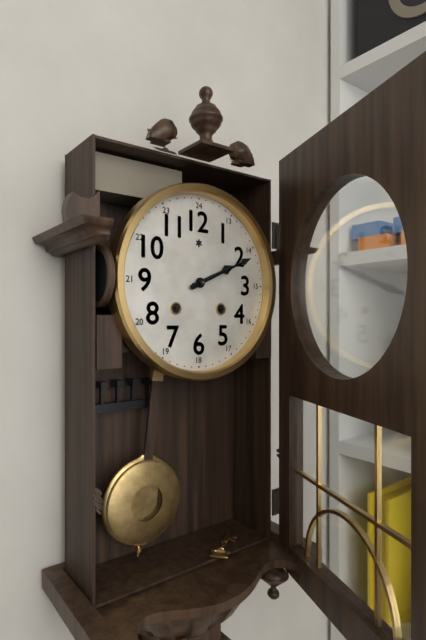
2.11
